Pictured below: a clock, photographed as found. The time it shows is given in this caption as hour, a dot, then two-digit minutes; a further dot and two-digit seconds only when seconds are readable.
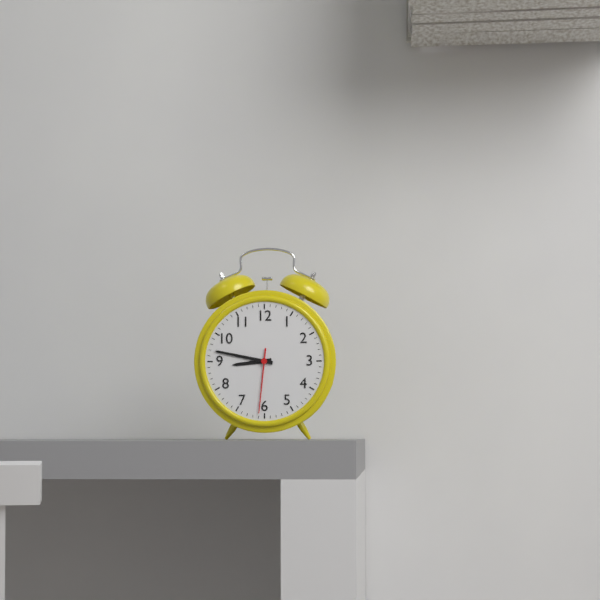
8.47.31
